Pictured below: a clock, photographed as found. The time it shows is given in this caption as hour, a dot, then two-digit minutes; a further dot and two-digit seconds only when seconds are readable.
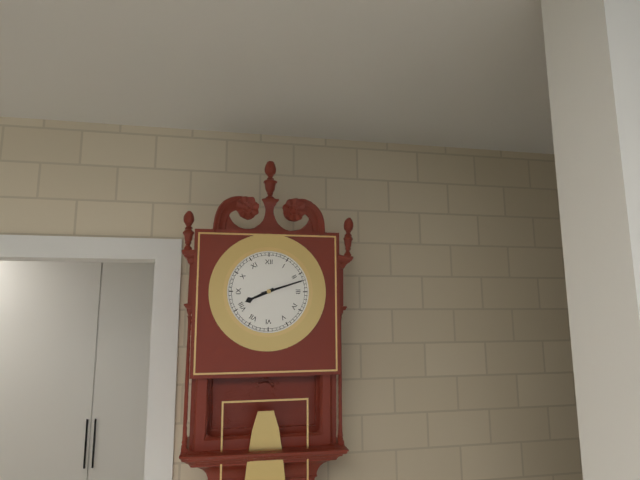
8.12
